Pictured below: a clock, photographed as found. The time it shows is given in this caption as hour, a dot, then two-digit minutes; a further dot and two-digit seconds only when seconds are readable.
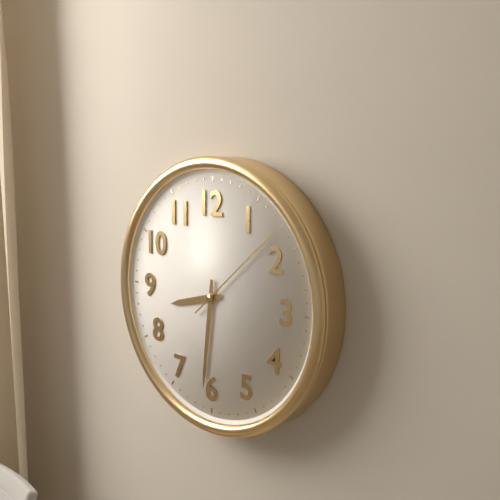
8.31.08
